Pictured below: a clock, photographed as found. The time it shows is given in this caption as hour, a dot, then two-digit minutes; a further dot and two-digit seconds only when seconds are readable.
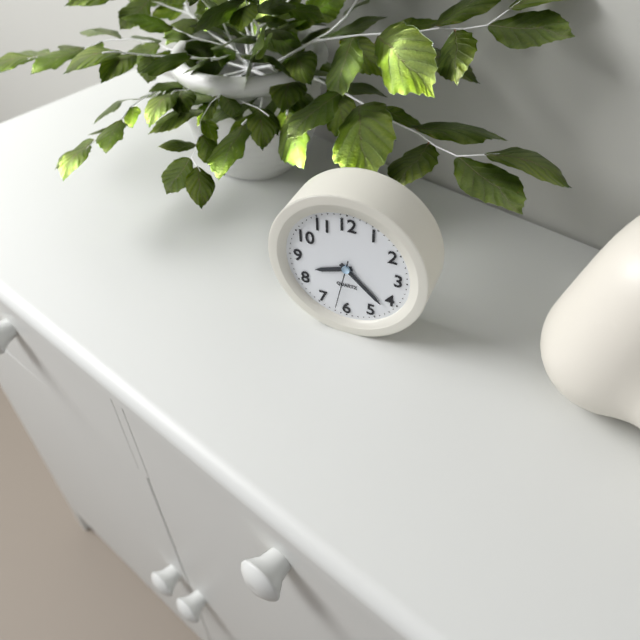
8.22
